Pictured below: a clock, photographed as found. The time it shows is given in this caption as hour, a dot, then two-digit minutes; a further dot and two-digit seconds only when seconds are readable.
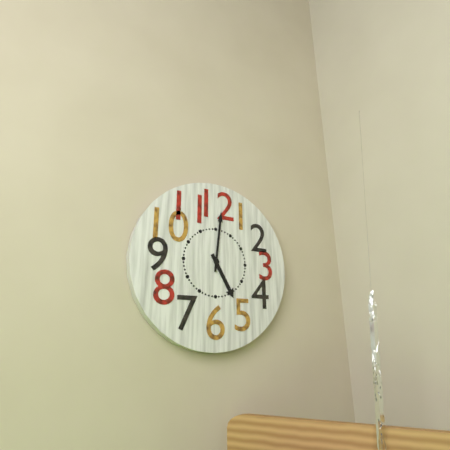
5.01
